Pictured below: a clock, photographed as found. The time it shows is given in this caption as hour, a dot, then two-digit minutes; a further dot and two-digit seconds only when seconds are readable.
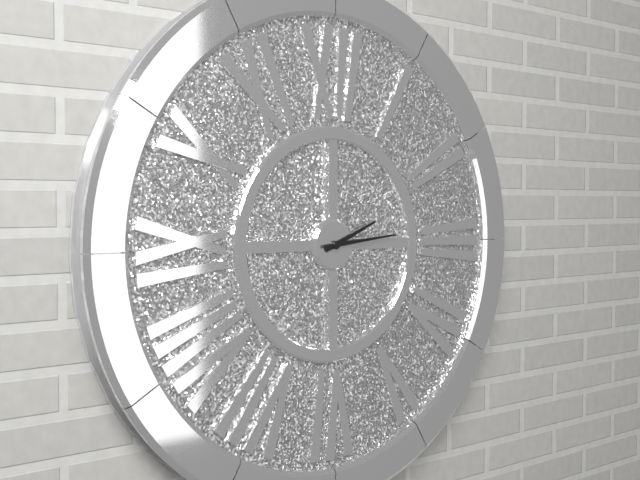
2.14
